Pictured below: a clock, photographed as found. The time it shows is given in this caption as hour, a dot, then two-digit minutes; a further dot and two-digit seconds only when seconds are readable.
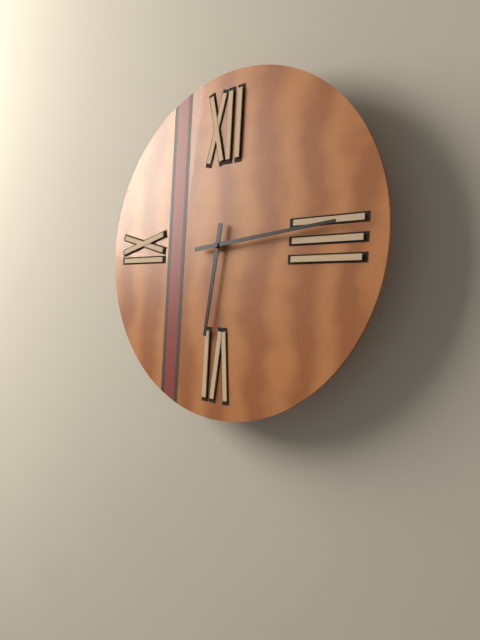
6.14
